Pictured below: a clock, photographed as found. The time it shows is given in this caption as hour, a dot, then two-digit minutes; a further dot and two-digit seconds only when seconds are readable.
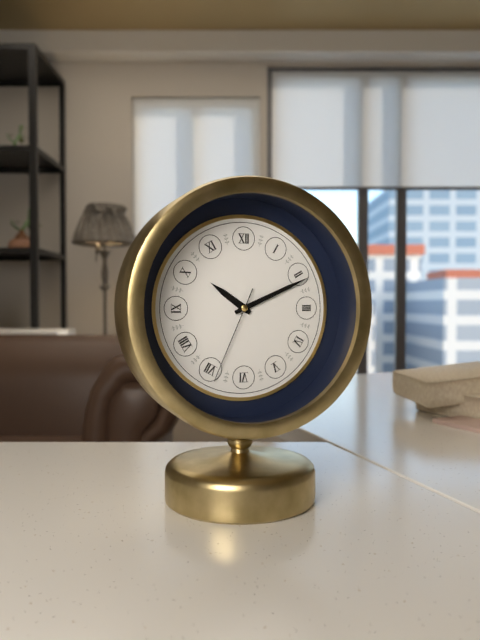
10.11.34
